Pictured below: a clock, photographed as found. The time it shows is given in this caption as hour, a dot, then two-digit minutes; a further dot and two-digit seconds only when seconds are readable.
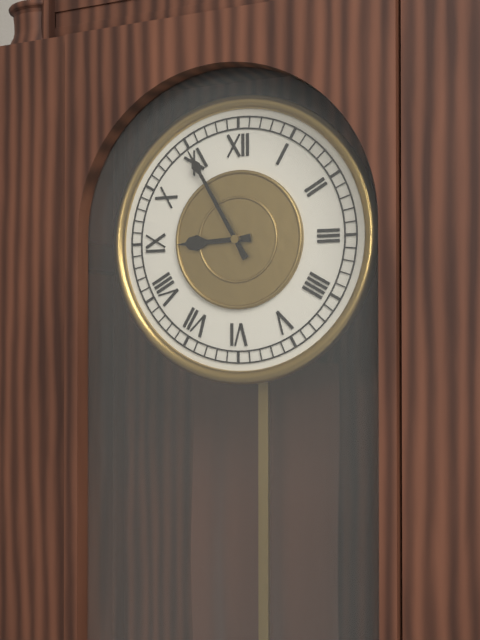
8.55
